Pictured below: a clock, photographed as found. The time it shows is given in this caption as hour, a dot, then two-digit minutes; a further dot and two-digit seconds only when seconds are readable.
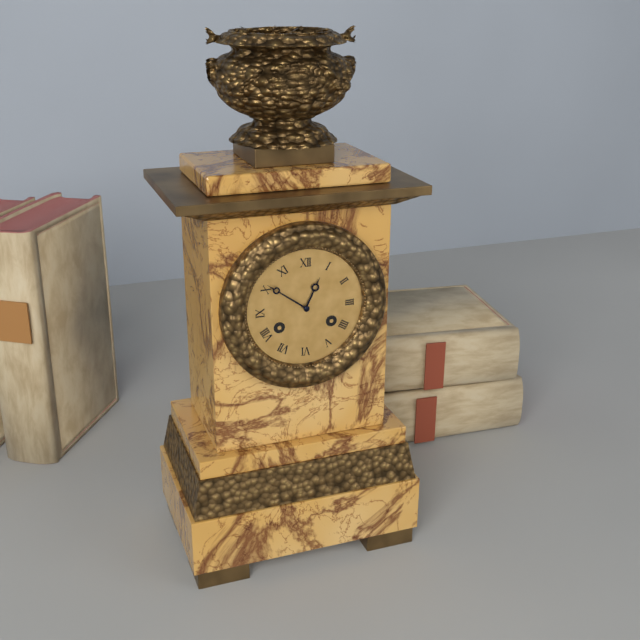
12.51
